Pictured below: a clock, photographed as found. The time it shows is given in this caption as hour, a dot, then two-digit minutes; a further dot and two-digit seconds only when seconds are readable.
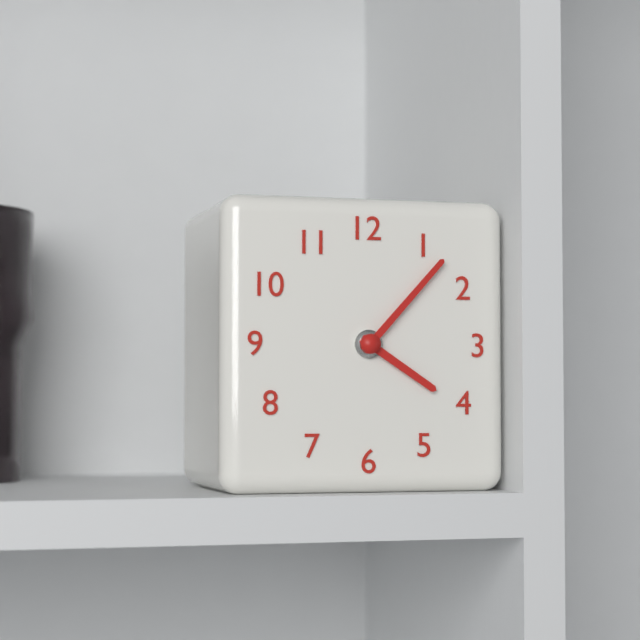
4.07
